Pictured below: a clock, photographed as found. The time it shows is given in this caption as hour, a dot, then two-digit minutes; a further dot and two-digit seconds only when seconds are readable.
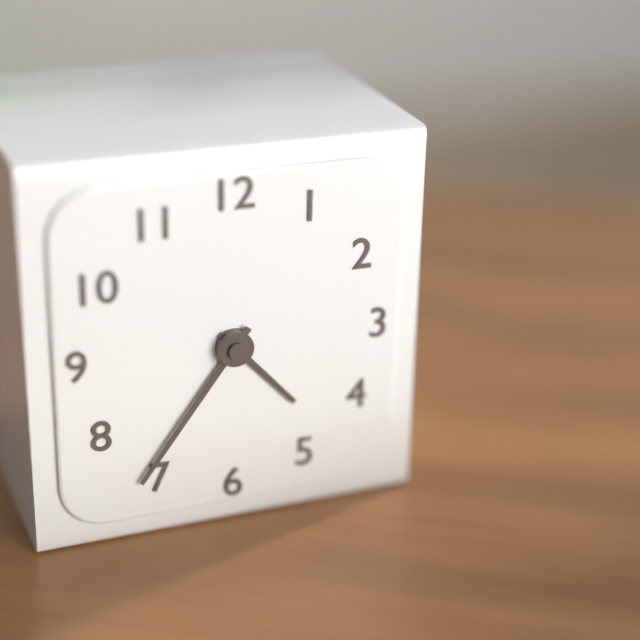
4.36
